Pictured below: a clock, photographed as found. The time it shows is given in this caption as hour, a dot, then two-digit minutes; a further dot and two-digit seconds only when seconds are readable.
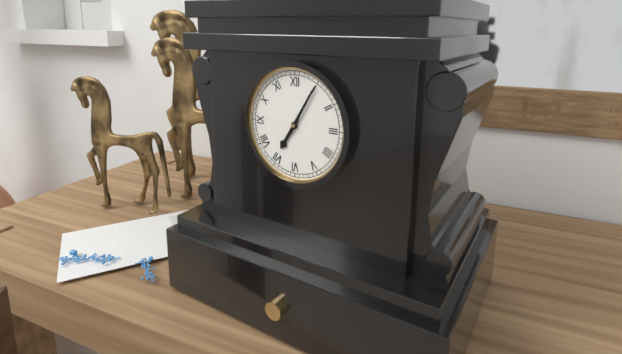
7.05
